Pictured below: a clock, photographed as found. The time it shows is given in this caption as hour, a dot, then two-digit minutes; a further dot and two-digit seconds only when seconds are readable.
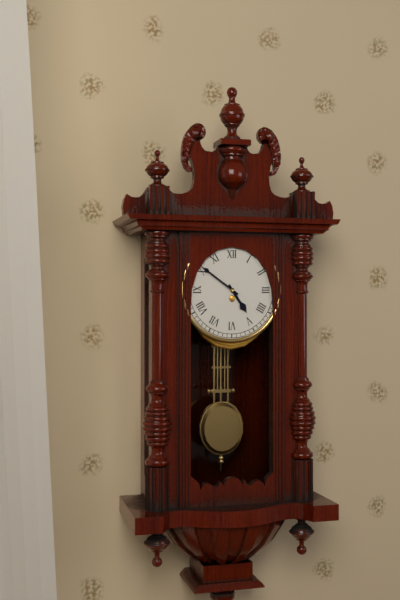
4.51
